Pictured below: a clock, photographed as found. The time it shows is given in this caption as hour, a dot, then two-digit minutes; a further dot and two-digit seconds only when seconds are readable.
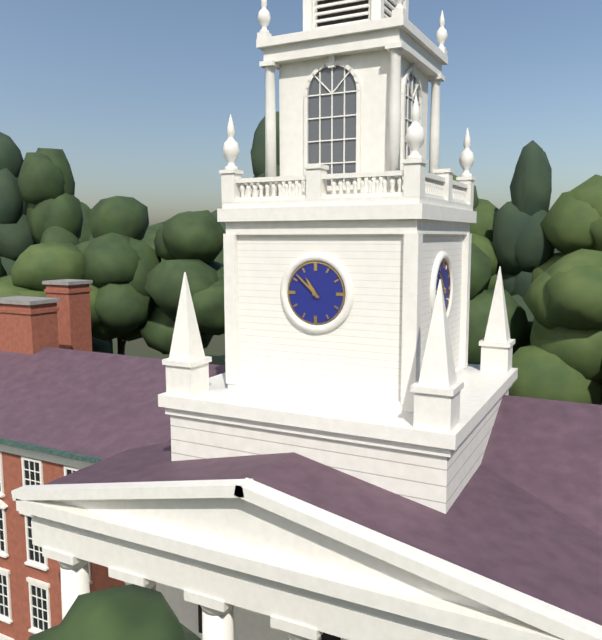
10.52
